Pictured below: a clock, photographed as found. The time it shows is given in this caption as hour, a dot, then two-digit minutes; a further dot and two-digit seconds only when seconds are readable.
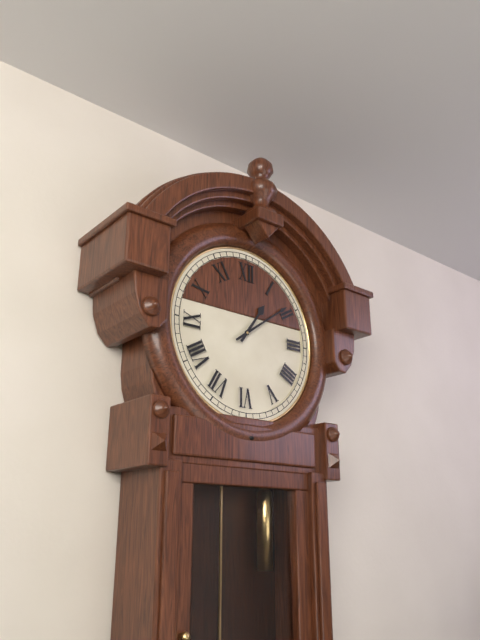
1.09
